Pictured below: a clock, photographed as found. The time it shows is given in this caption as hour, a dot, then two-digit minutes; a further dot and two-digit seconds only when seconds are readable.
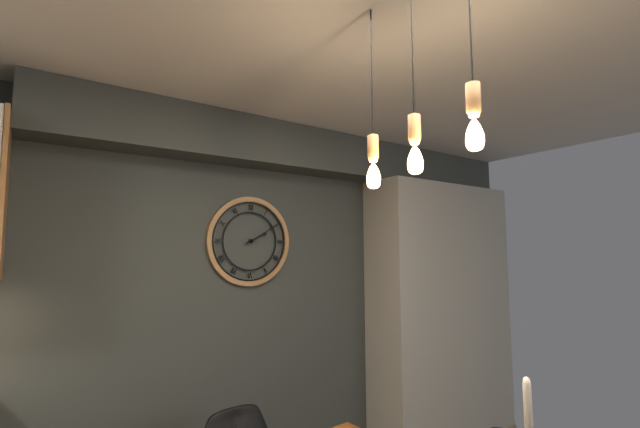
2.10
